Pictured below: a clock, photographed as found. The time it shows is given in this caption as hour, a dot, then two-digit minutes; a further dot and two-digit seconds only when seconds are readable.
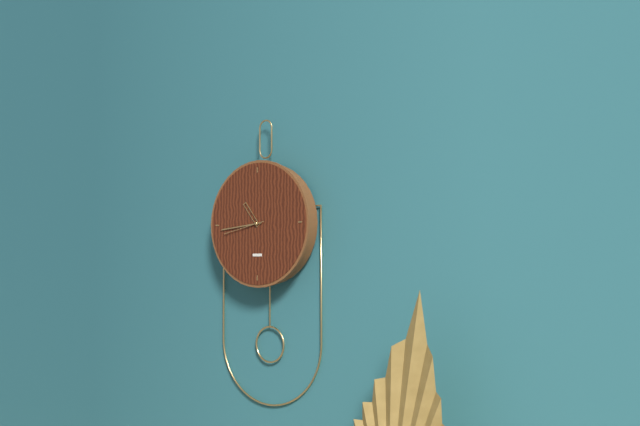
10.44
